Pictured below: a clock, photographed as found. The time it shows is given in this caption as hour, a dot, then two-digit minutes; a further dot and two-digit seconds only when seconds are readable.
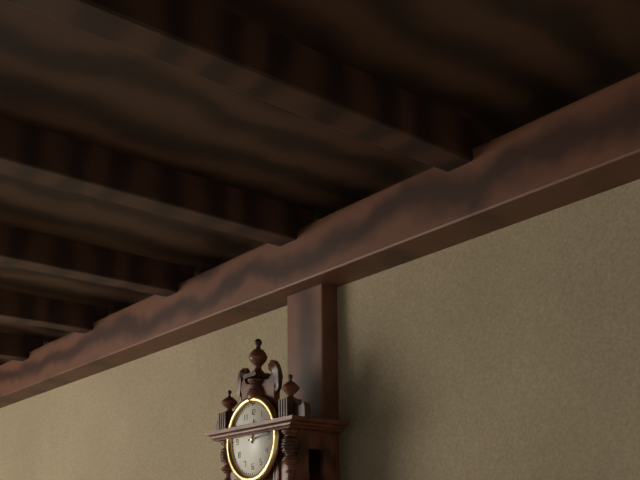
12.14
